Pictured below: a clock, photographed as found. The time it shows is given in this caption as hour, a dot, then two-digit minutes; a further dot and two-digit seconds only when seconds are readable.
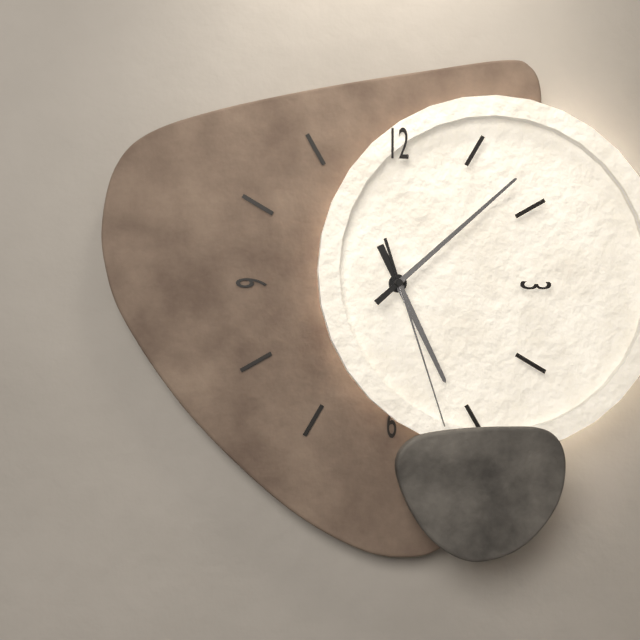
5.08.27
